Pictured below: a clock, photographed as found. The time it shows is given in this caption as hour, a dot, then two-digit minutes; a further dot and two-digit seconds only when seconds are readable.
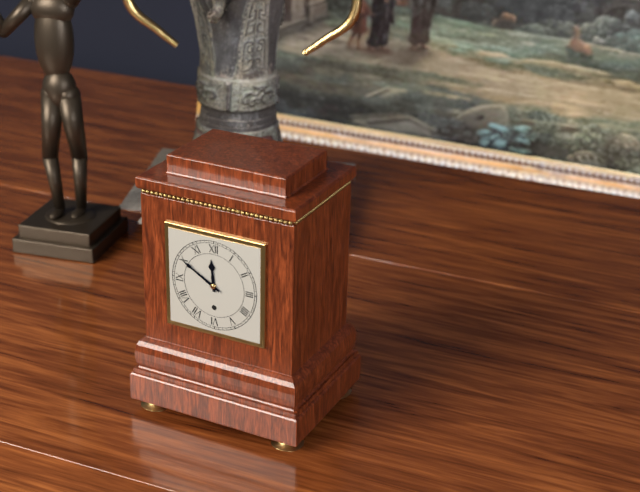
11.50
